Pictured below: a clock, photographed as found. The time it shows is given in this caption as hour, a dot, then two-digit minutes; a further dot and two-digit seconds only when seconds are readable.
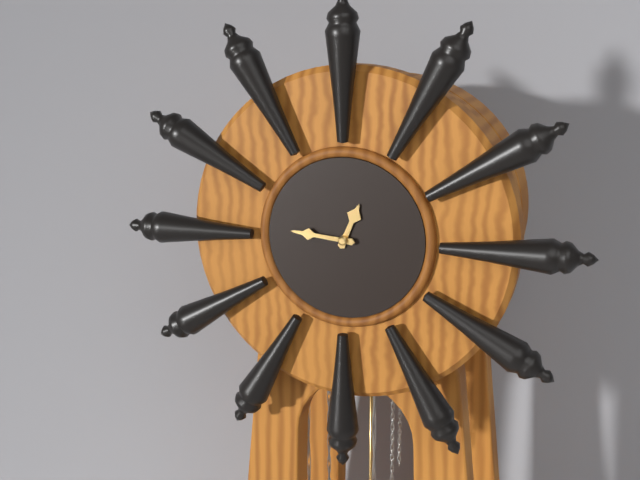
12.46
